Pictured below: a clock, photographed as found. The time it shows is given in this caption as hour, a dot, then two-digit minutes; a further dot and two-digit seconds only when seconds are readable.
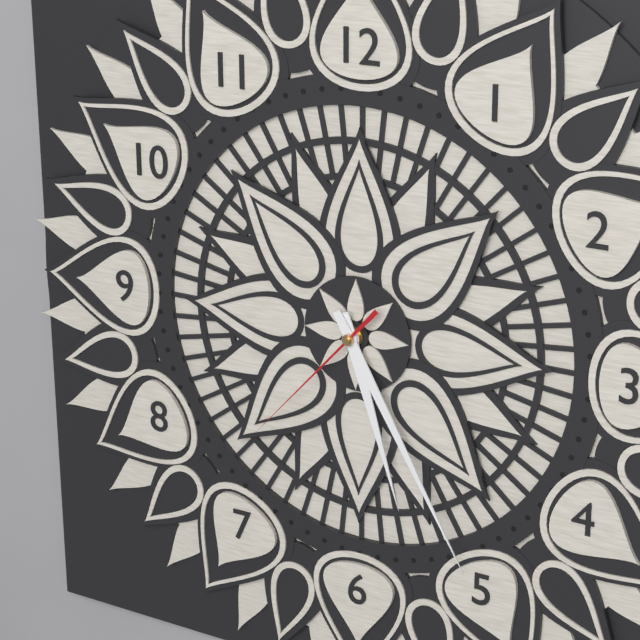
5.25.37
